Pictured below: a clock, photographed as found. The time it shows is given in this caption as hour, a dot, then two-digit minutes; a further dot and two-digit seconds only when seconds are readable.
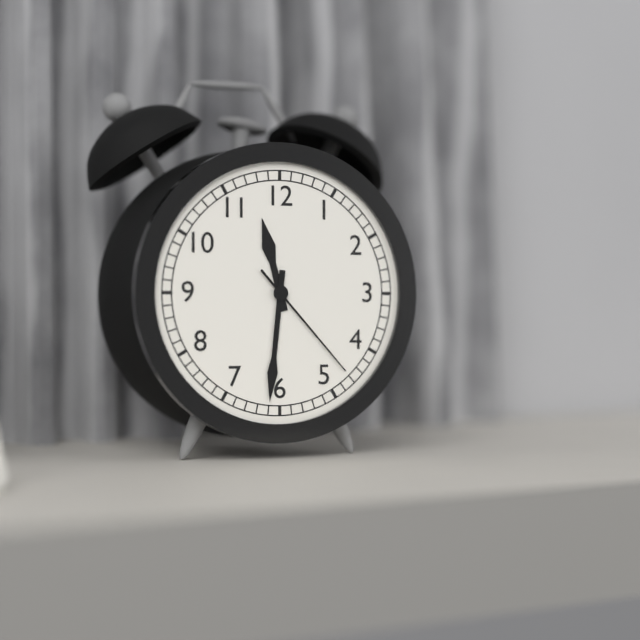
11.31.23
